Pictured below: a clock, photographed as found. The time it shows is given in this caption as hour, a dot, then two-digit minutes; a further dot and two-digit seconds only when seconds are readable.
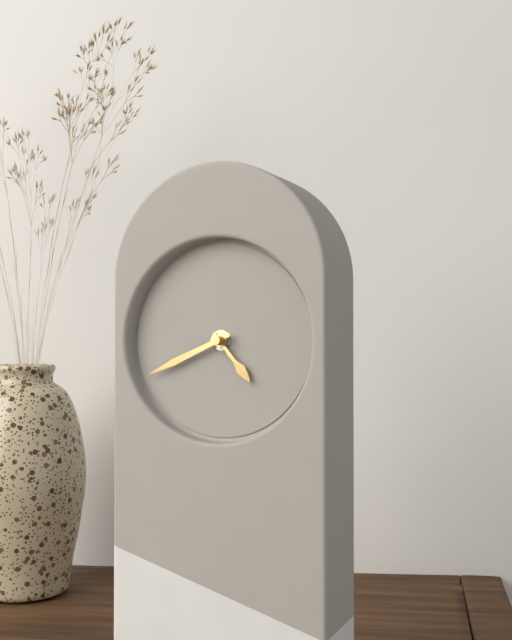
4.41
